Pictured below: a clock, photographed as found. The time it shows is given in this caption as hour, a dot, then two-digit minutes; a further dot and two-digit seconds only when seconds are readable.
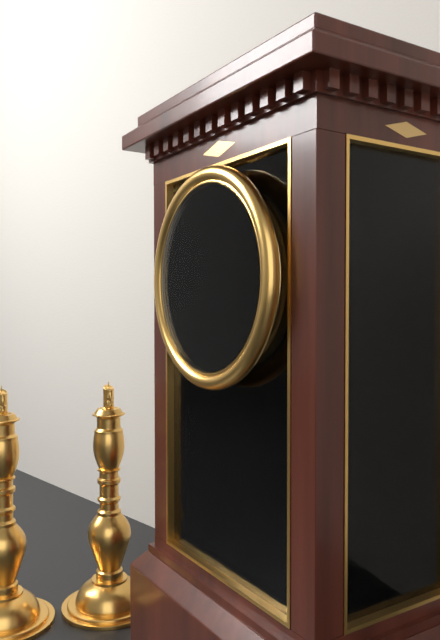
12.38
